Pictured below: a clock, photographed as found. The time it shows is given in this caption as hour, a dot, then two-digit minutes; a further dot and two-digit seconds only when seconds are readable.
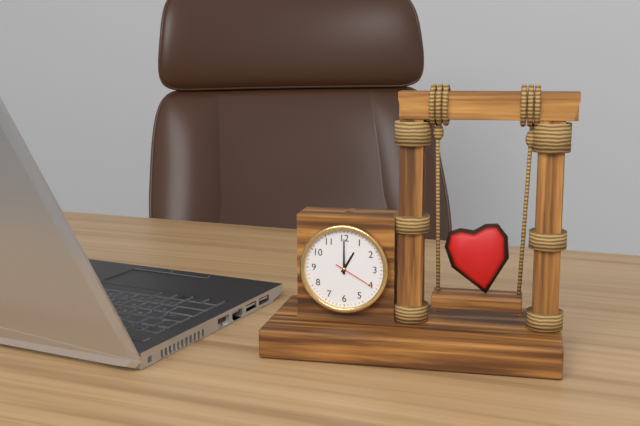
1.00
